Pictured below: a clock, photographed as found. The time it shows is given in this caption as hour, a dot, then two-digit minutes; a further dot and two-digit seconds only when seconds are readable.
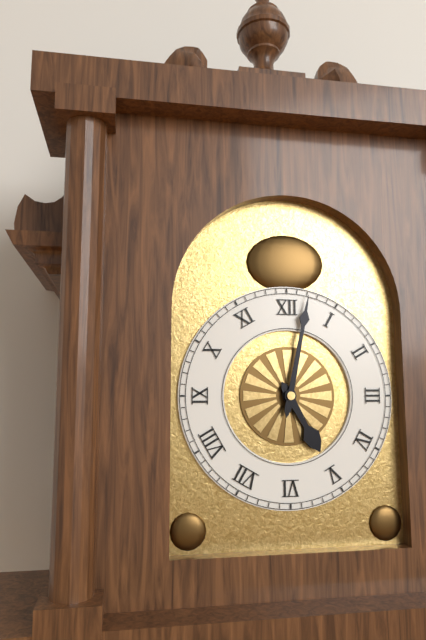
5.02
